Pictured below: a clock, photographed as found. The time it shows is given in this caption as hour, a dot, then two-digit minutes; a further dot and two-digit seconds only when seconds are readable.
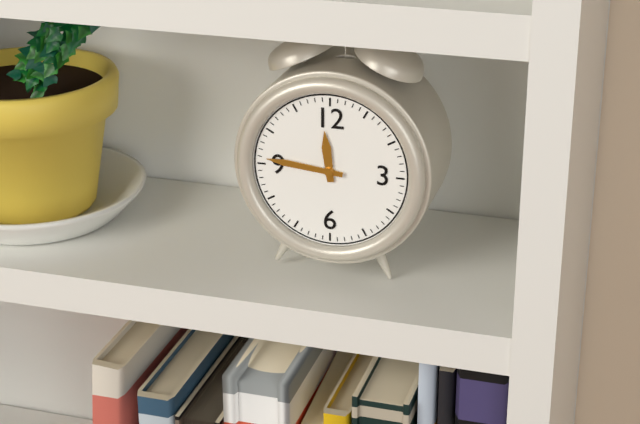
11.46
